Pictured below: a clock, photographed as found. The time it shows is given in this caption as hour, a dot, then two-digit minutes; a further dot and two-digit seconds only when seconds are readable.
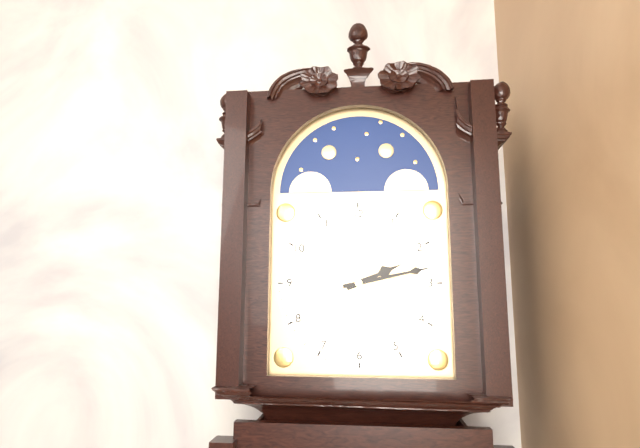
2.13
